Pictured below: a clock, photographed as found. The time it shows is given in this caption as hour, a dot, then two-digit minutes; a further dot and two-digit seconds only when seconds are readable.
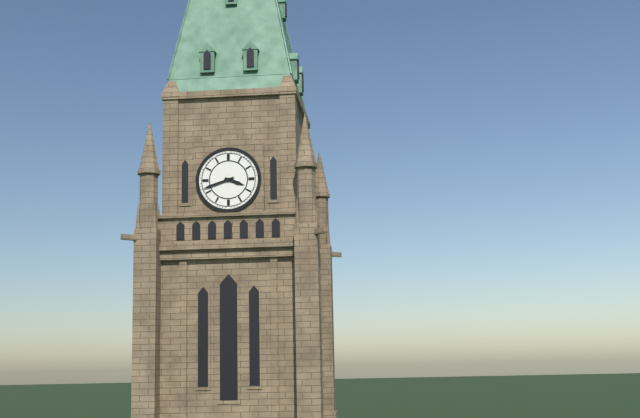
3.42
